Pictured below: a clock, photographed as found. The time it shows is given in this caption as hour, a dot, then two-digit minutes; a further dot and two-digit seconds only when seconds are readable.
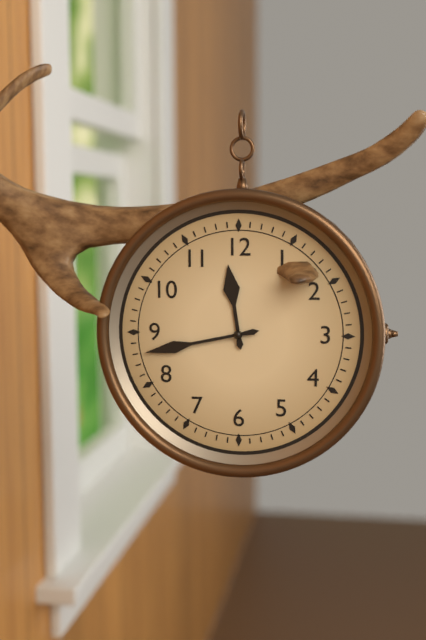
11.43
